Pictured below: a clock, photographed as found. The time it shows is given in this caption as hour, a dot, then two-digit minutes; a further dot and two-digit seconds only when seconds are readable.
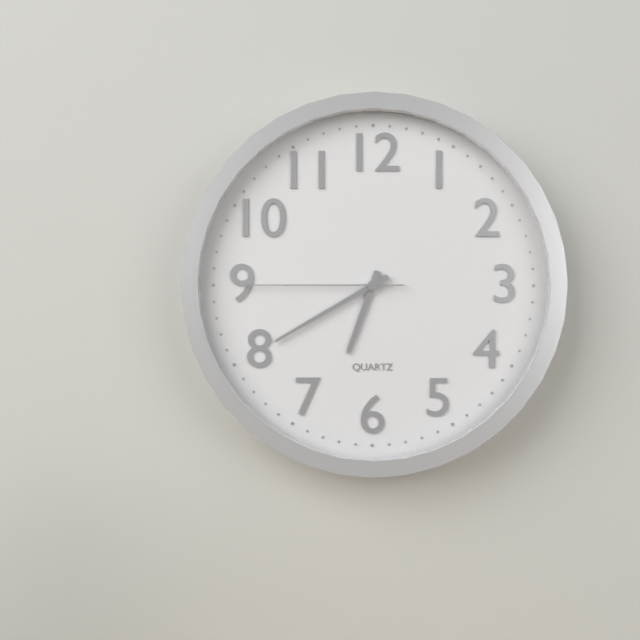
6.40.45
